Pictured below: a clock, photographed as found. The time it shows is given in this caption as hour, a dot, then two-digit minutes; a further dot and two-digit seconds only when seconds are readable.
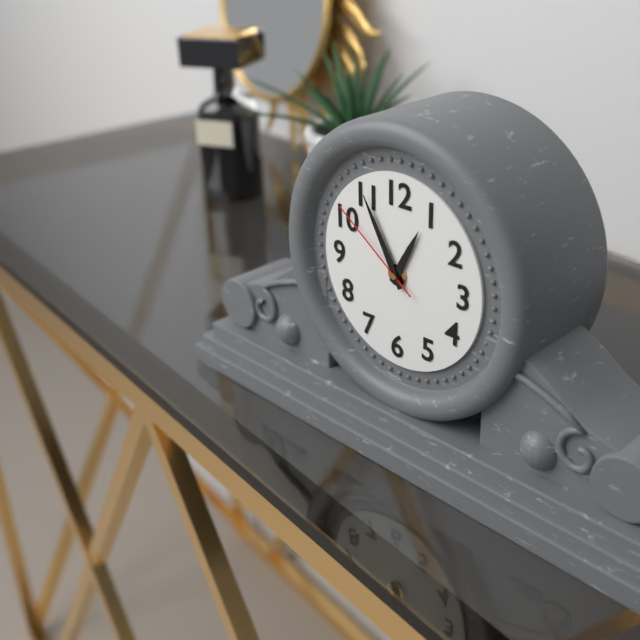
12.55.51
